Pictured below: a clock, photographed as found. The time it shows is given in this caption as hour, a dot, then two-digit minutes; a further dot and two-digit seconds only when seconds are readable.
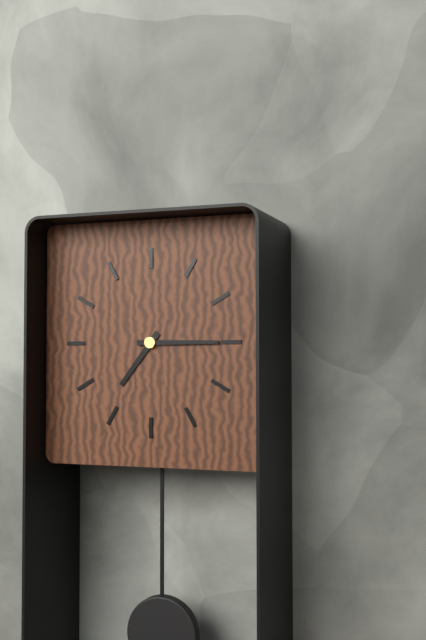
7.15
